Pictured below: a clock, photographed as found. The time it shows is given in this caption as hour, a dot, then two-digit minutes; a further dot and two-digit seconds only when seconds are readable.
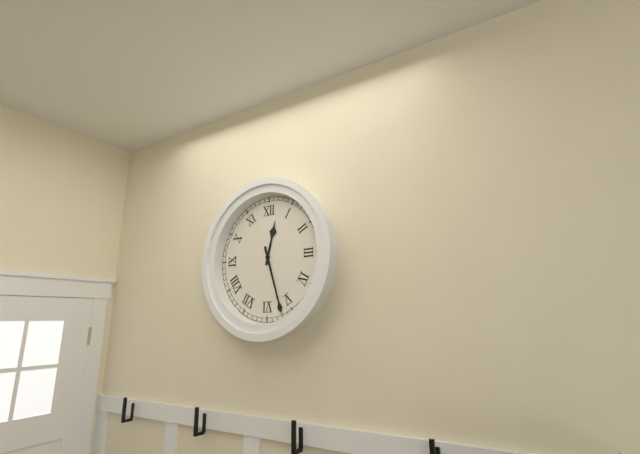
12.27
